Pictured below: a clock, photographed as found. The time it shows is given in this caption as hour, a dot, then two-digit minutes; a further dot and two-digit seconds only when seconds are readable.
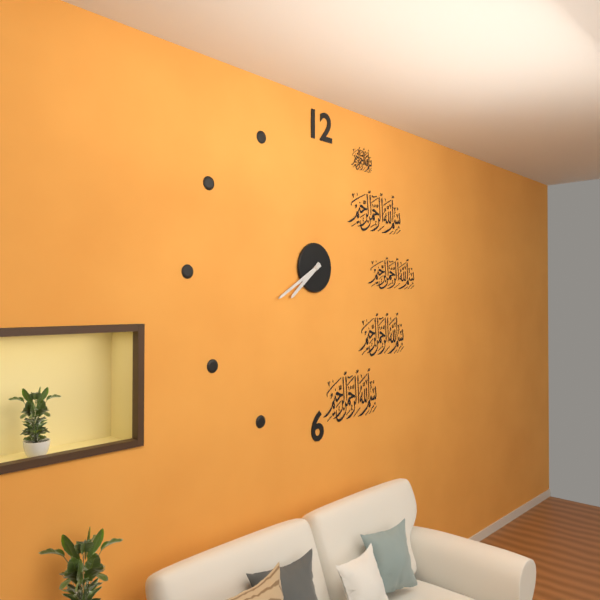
7.40
